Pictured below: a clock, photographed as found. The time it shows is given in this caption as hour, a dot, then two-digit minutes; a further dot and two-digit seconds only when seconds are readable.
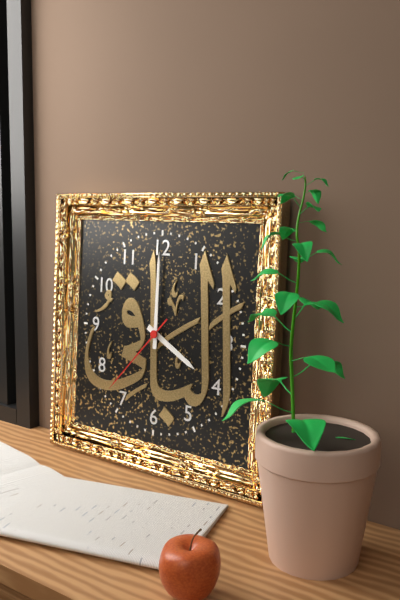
4.00.37
